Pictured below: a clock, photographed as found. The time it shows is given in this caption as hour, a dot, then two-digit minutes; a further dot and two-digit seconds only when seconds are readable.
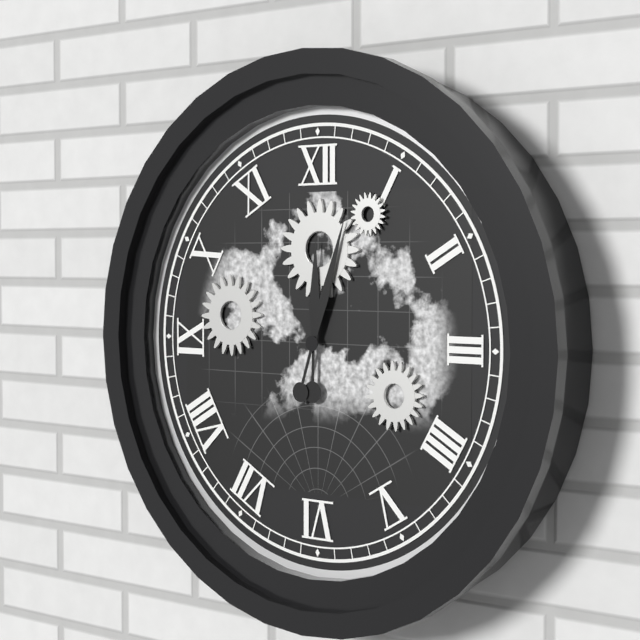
12.03
